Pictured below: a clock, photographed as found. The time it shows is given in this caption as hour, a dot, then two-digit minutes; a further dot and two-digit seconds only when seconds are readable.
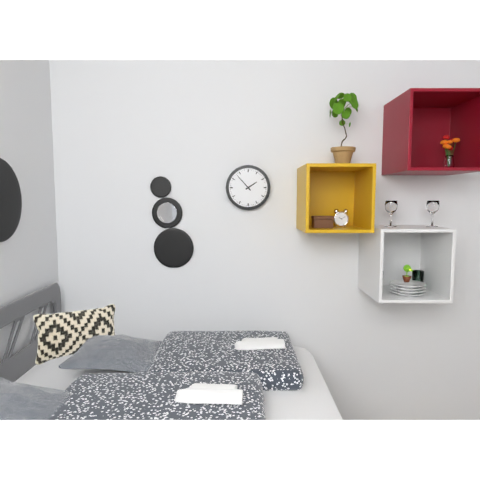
1.53
